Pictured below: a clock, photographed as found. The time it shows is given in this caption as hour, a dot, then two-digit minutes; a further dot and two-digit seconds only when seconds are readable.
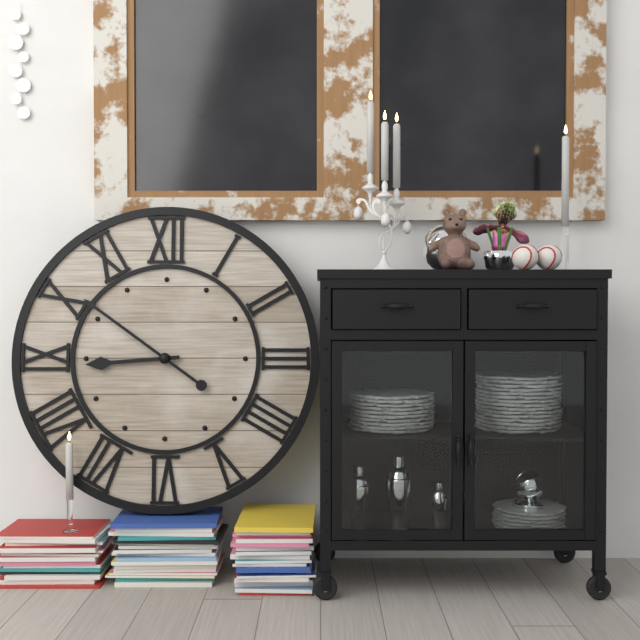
8.51
